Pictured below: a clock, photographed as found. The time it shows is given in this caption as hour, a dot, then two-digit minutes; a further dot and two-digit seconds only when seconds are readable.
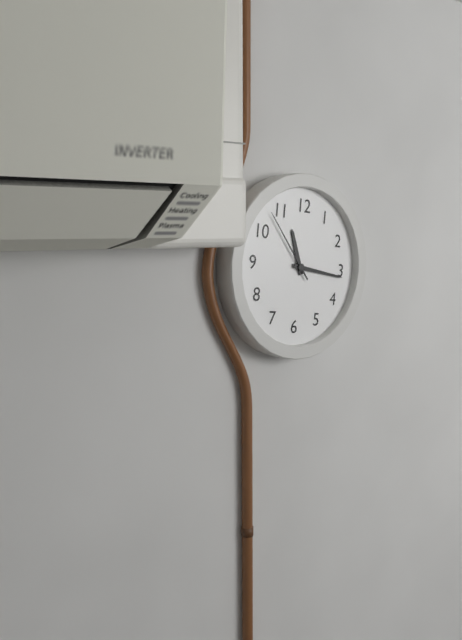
11.16.53
